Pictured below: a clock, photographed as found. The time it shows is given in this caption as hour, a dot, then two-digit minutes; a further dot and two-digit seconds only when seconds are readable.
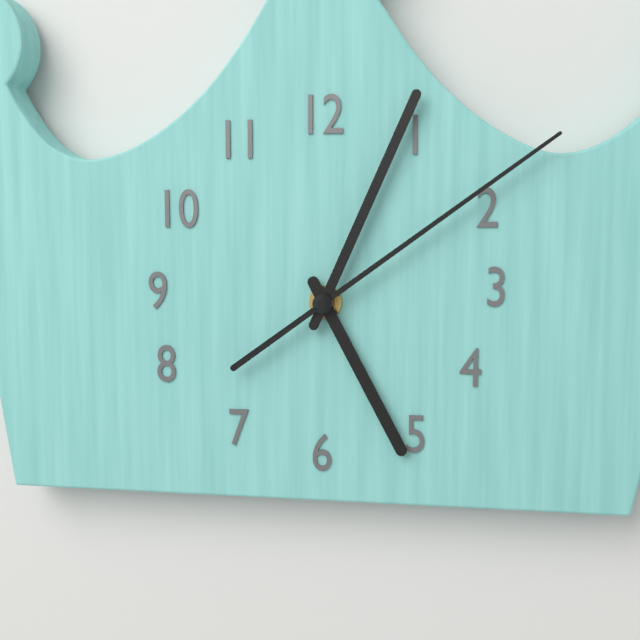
5.04.09
